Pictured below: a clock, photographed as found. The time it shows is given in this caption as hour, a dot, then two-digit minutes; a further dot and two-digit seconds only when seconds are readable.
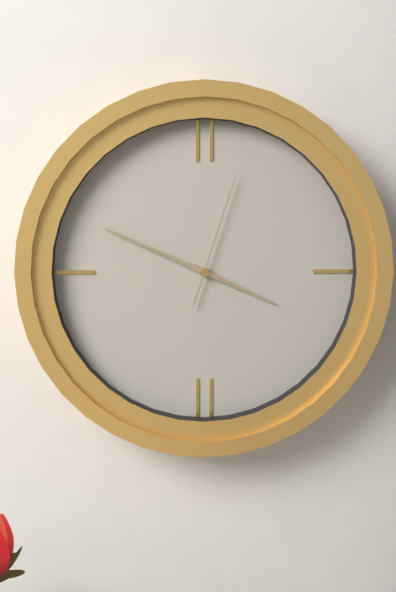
3.49.03
